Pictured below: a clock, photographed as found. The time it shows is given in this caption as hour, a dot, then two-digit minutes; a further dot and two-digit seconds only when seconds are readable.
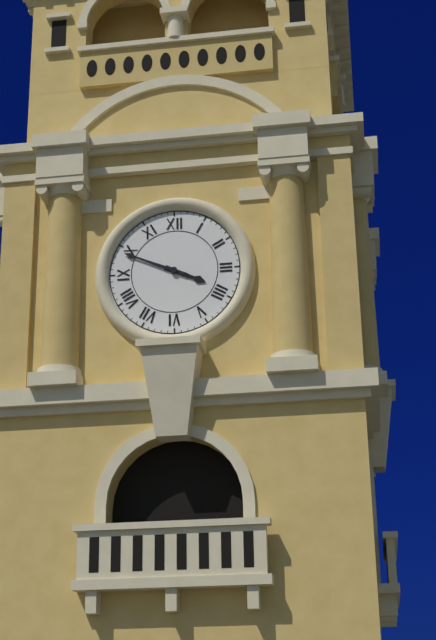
3.49
